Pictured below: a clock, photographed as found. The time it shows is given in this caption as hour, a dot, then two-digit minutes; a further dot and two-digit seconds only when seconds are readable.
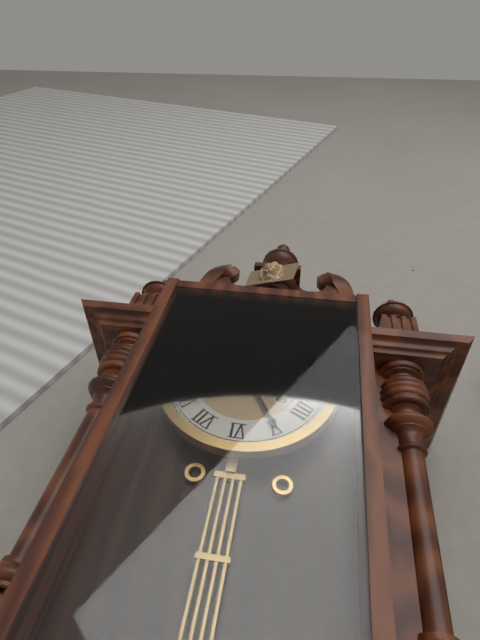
1.25
